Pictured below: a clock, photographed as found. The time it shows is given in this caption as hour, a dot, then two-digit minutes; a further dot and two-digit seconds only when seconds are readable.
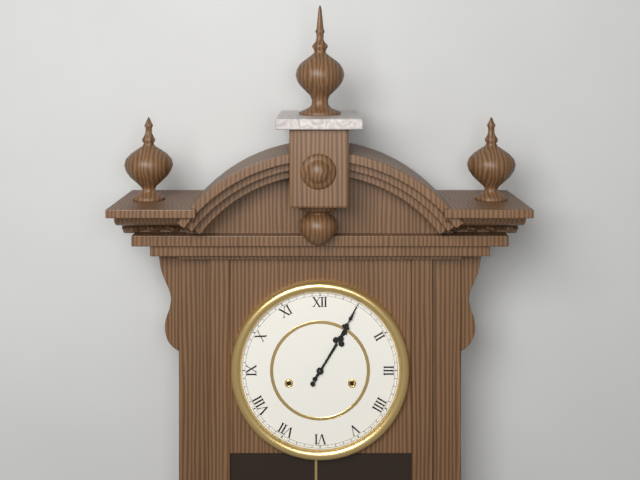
1.05
